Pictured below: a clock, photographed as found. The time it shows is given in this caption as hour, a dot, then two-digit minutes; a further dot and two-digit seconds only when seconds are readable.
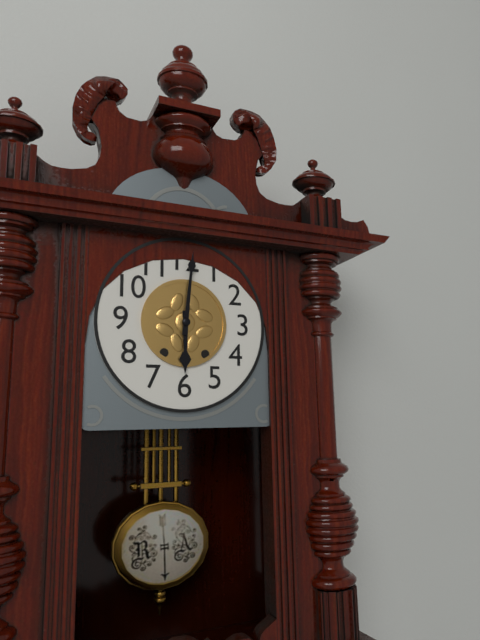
6.01
